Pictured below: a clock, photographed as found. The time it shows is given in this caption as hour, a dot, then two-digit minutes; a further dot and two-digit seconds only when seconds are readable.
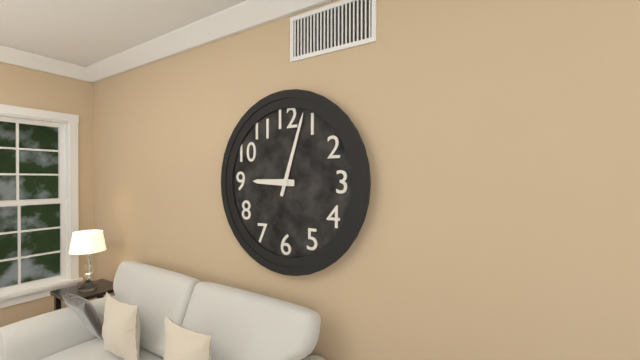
9.03
